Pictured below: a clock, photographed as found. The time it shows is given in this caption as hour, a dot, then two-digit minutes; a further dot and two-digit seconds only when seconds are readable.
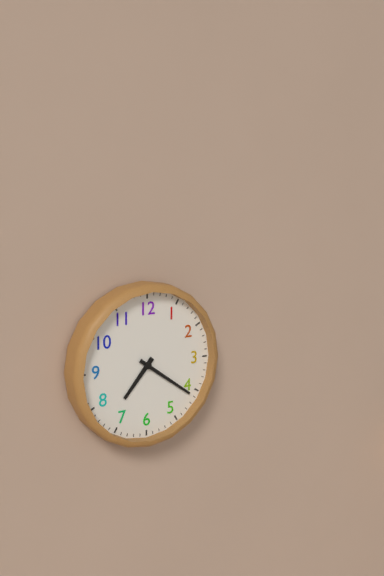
7.21
